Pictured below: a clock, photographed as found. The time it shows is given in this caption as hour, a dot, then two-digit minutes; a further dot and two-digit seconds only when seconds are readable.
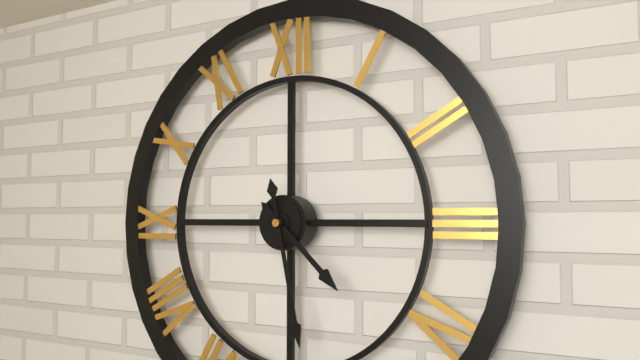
4.28
